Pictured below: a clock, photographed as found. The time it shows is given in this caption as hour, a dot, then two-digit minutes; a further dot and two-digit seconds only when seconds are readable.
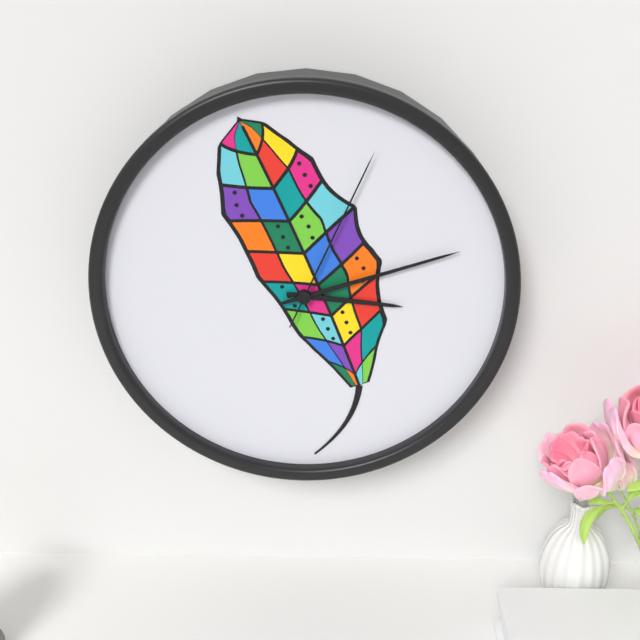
3.12.04
